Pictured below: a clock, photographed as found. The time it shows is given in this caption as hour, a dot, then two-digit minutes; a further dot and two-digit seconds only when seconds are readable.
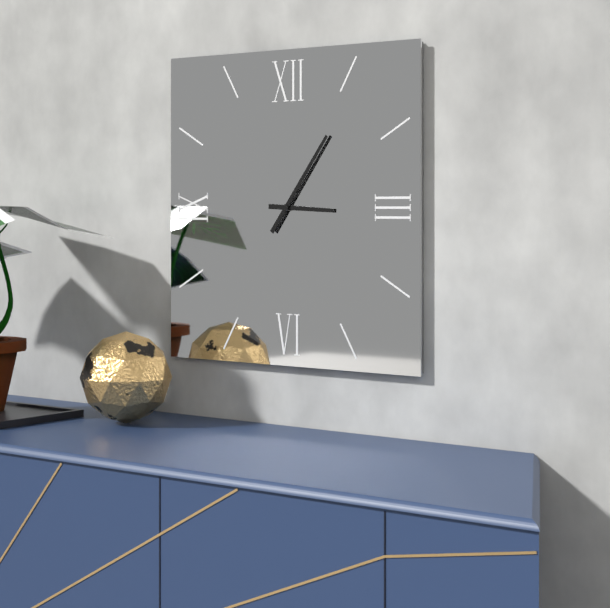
3.06
